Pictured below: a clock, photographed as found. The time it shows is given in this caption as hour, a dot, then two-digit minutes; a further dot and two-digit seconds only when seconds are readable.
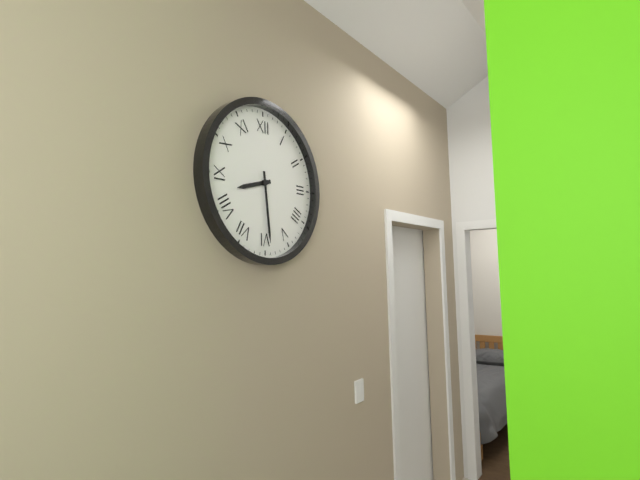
8.29
